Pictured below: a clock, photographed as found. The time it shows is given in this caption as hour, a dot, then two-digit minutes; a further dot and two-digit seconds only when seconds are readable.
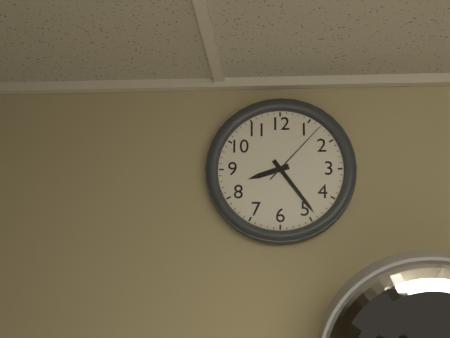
8.24.07
